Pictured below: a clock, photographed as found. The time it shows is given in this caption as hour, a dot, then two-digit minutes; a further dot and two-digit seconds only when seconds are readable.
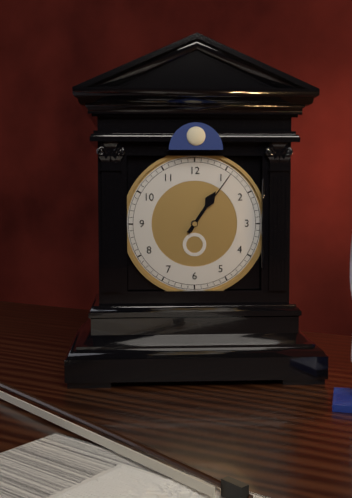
1.06
